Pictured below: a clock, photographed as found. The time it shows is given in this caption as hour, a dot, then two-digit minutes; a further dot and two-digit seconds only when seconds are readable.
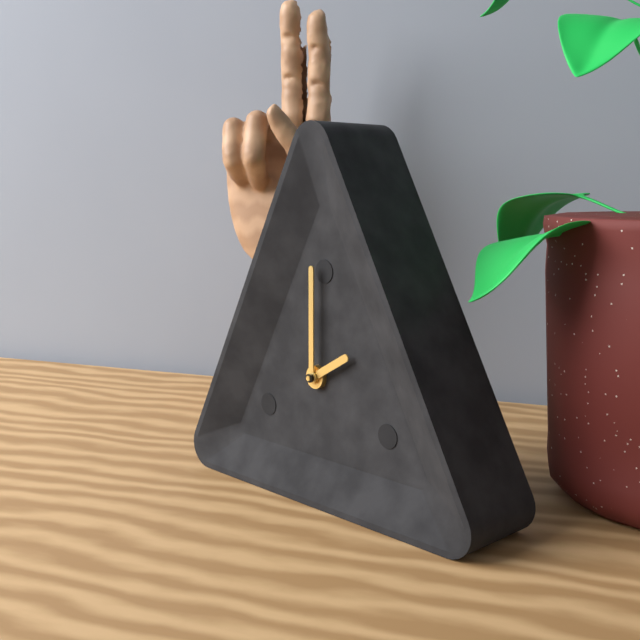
2.00
